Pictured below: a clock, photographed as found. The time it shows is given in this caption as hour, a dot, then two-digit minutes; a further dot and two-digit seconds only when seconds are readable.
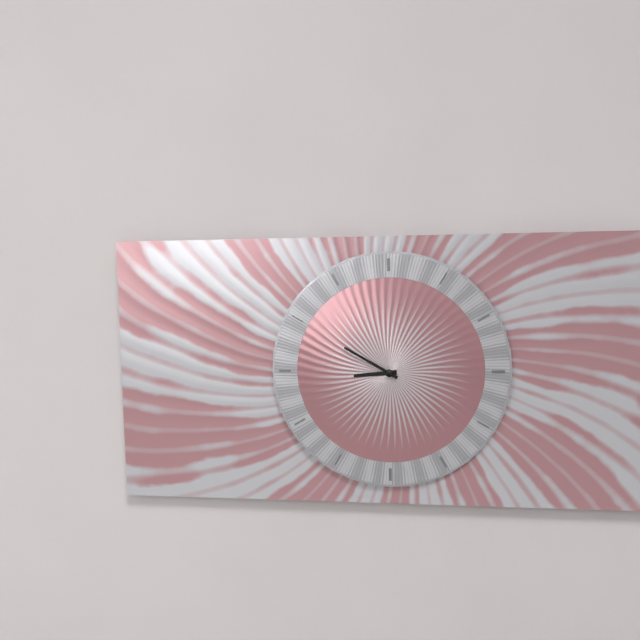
8.50
